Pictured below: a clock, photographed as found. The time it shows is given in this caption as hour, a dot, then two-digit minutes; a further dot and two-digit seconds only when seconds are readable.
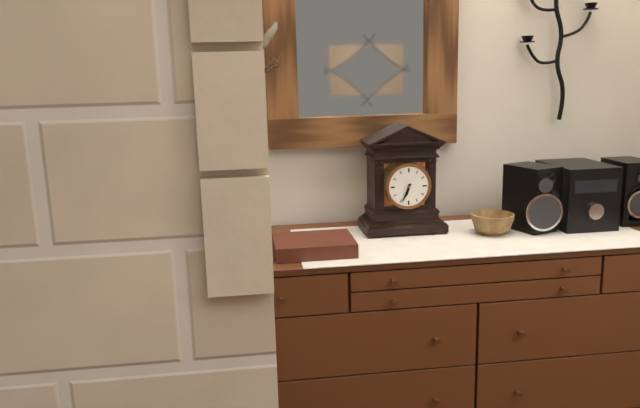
6.34
